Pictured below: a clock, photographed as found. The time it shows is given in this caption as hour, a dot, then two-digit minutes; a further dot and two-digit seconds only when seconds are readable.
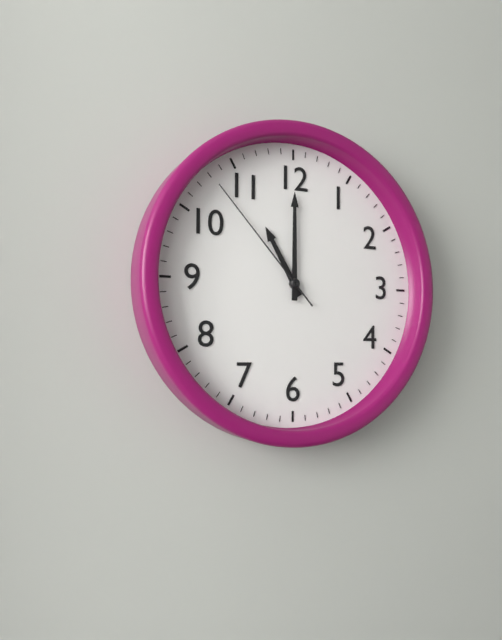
11.00.53
